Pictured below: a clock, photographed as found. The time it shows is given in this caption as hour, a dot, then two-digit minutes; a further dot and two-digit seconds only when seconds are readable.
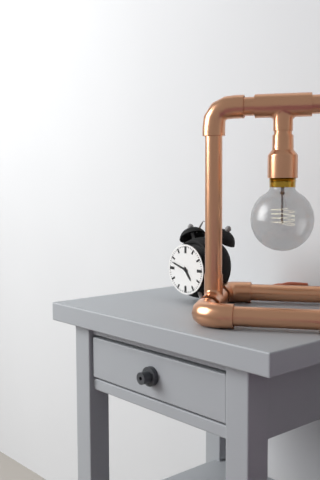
4.48
